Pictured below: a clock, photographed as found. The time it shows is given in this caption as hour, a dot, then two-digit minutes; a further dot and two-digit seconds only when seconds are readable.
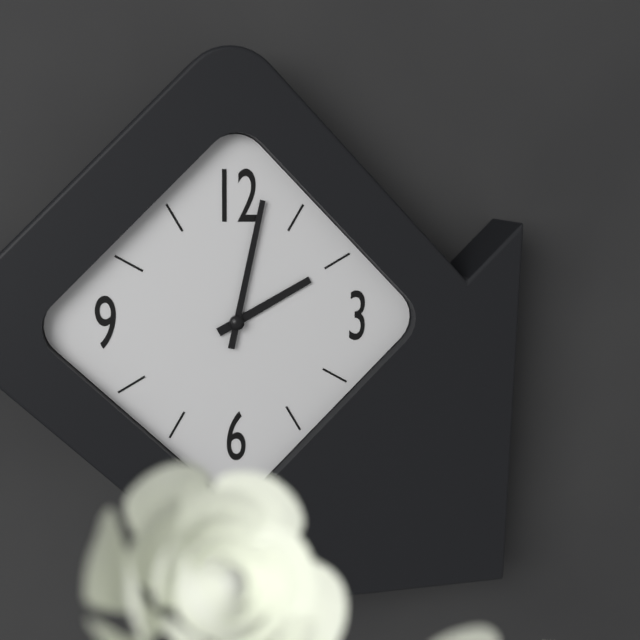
2.02
